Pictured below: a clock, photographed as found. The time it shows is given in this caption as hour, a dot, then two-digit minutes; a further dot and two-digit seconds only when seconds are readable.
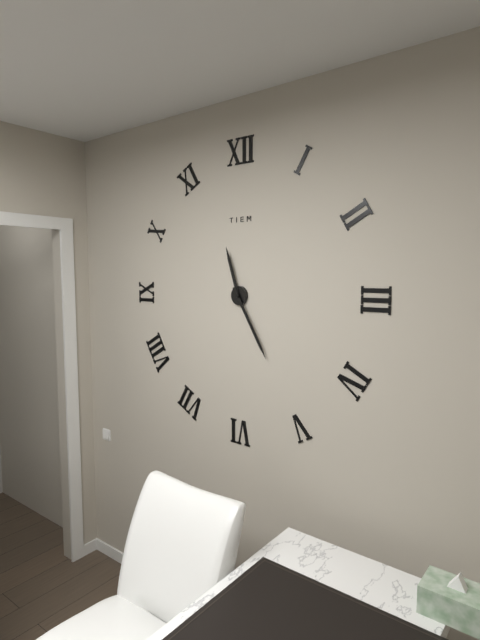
11.25
